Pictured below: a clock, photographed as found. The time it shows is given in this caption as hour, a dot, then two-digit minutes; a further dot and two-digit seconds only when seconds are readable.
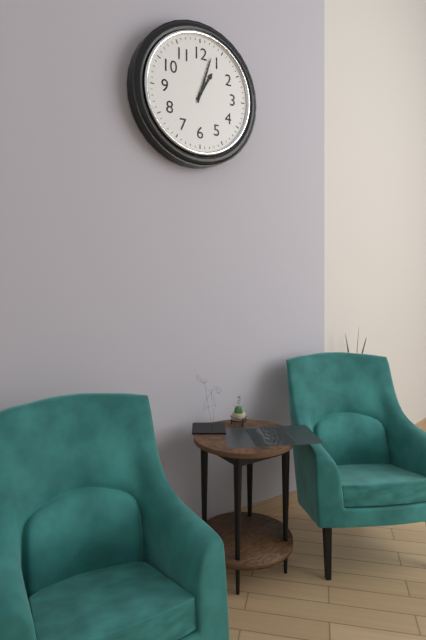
1.03
